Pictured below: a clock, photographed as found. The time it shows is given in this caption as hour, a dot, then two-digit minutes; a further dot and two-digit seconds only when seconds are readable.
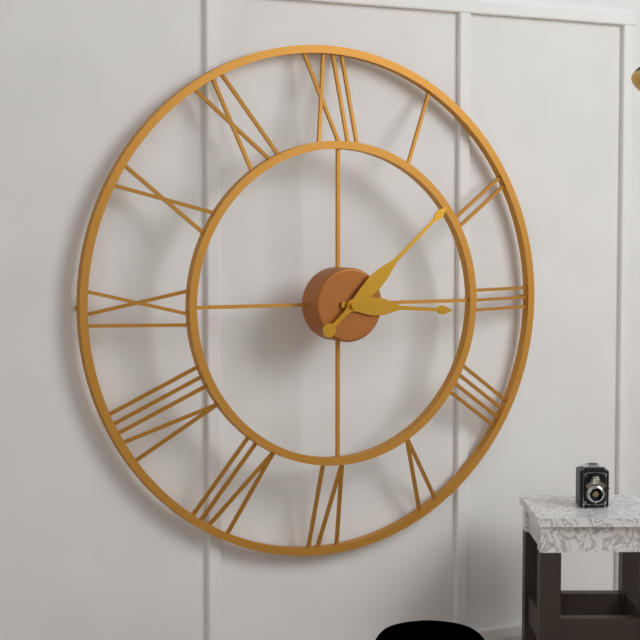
3.08
